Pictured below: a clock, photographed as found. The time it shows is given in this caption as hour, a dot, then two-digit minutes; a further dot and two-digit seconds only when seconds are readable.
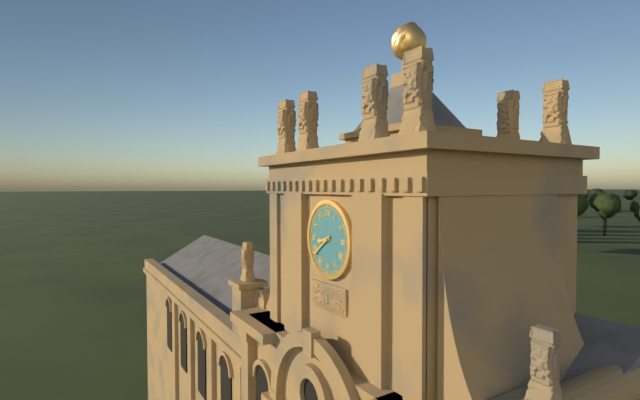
8.39
